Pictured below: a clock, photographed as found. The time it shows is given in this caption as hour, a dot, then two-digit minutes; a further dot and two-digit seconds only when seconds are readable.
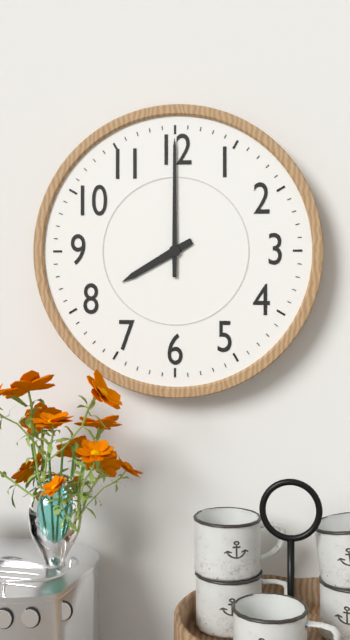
8.00
